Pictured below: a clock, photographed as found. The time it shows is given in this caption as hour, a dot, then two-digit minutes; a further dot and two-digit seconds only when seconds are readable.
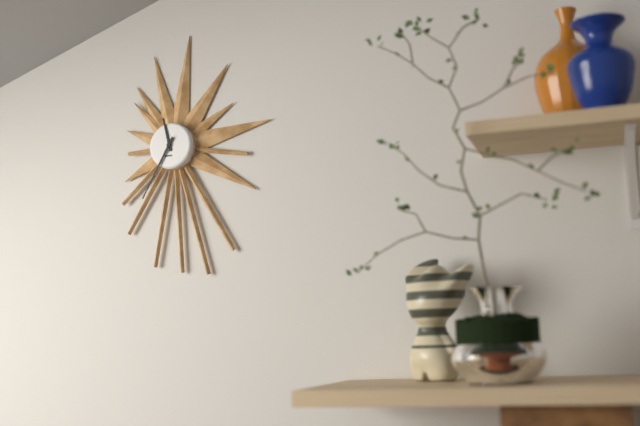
11.35
